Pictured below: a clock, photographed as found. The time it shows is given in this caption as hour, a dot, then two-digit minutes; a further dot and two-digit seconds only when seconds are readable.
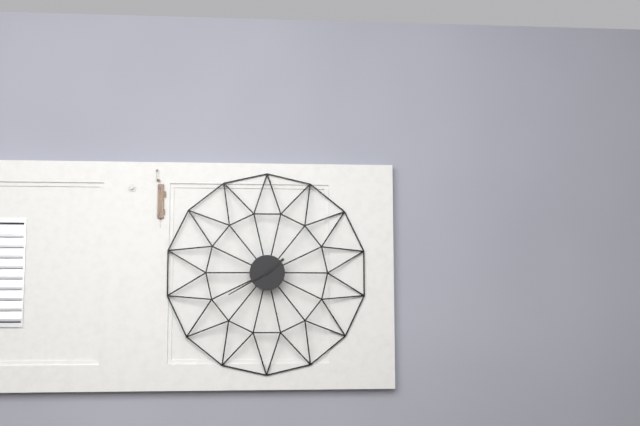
1.40
